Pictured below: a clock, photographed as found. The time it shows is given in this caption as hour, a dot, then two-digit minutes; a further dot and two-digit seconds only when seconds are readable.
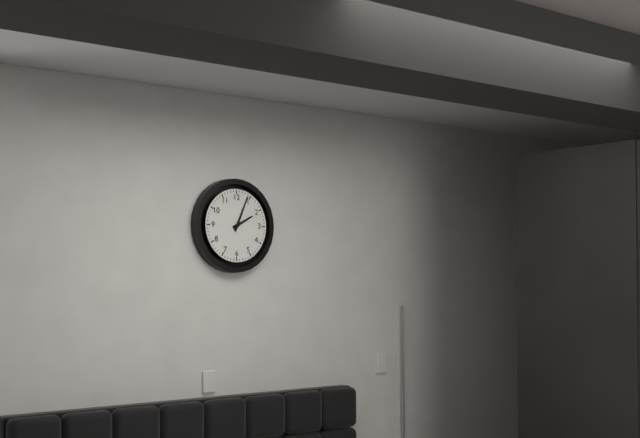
2.04
